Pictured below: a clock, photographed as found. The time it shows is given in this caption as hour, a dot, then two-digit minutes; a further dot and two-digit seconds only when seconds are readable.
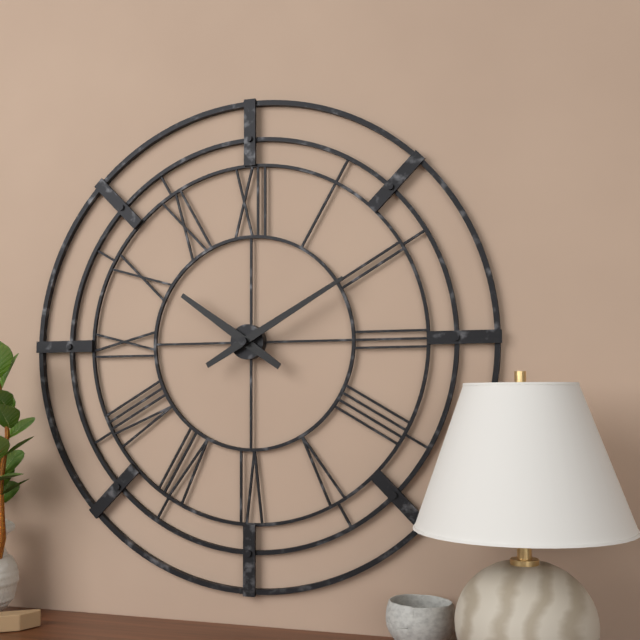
10.10
